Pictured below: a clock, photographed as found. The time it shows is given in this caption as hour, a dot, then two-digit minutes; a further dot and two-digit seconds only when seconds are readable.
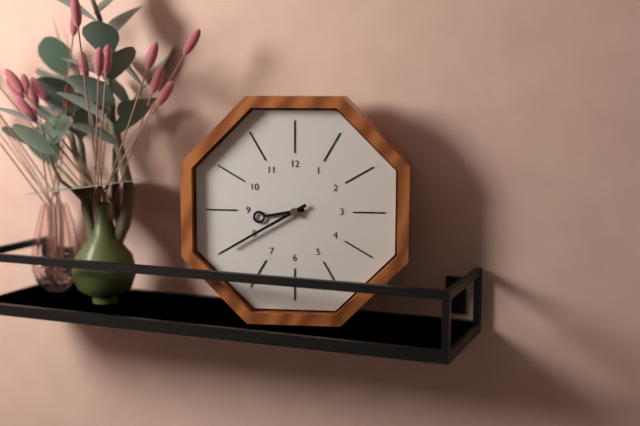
8.40
